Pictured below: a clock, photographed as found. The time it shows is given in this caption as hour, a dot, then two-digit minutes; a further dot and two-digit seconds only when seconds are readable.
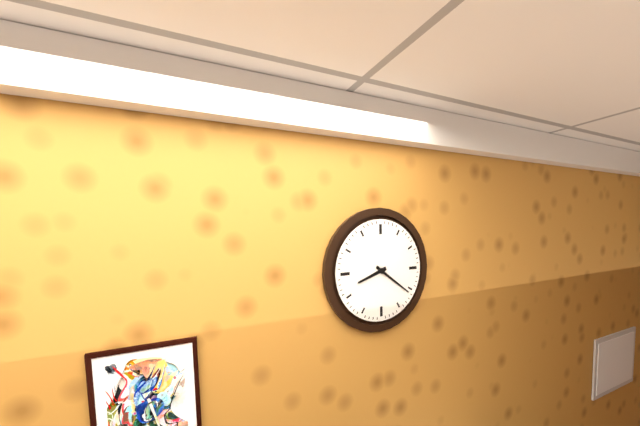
8.21
